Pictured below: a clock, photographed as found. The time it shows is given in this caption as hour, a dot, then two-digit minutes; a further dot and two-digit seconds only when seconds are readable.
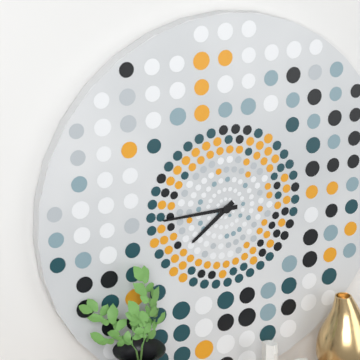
7.45
